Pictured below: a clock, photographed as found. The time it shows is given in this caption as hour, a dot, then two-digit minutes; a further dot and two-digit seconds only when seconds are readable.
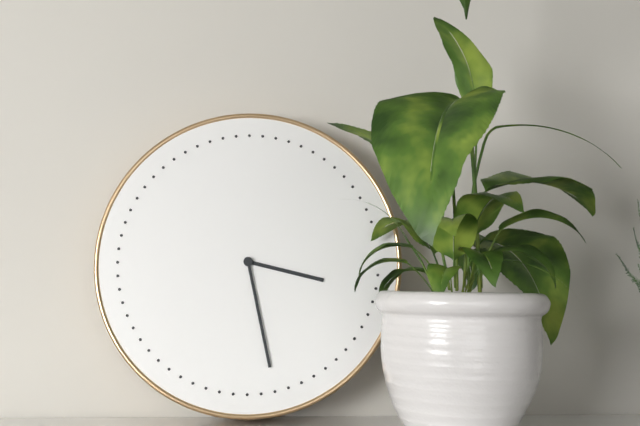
3.28
